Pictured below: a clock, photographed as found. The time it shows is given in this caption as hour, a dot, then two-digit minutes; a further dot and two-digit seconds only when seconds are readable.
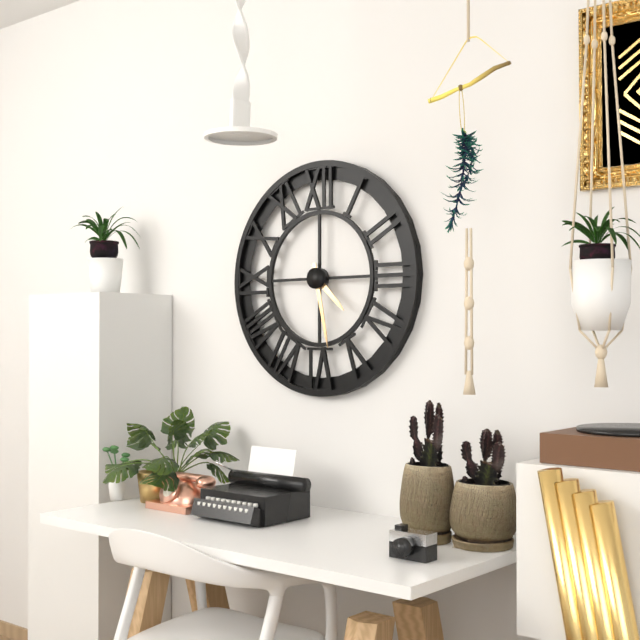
4.28
